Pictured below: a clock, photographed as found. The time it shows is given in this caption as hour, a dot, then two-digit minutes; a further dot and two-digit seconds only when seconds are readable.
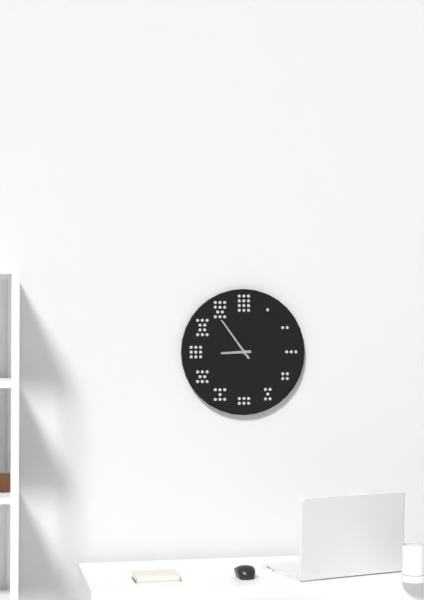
8.54
